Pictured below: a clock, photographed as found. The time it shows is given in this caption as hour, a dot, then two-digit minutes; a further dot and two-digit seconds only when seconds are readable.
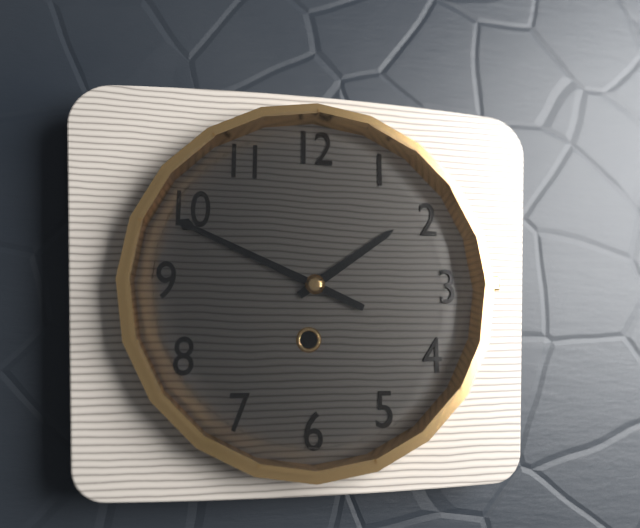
1.49
